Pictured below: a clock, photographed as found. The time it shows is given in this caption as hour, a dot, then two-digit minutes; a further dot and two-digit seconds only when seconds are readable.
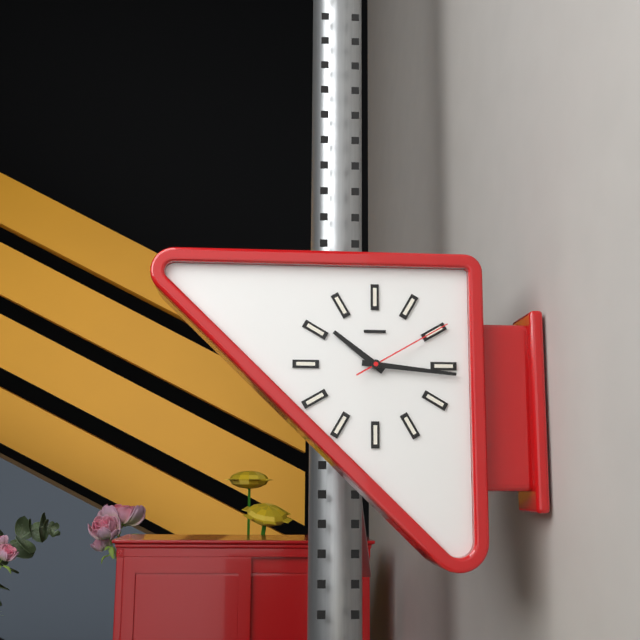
10.16.10
